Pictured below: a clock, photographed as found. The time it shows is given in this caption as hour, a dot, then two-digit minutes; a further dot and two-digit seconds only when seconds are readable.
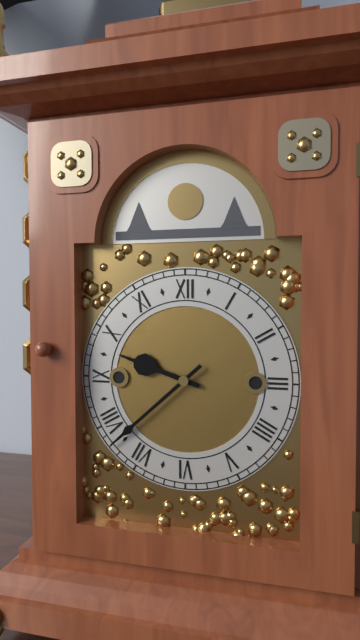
9.38
